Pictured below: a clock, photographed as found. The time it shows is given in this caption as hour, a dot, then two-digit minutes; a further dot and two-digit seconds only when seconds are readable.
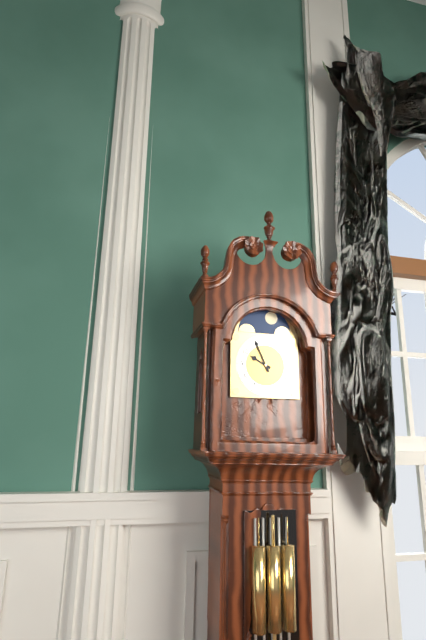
9.56
